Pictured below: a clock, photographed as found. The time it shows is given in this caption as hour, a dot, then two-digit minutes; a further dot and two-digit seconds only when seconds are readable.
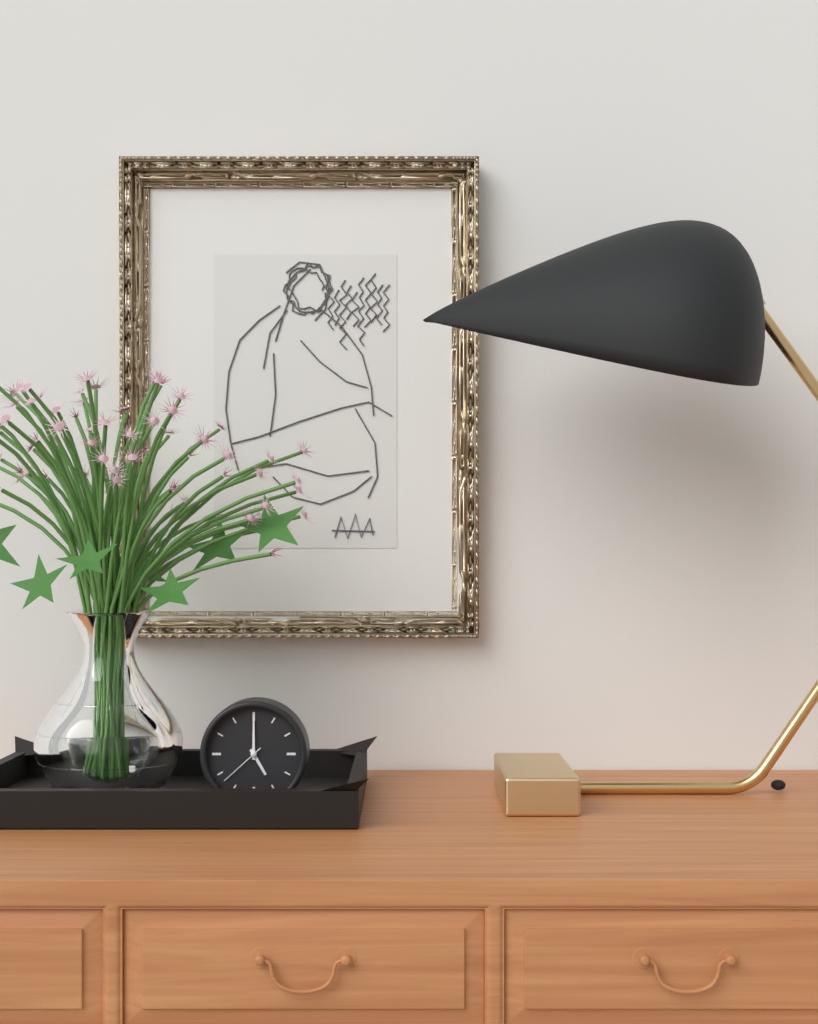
5.00
